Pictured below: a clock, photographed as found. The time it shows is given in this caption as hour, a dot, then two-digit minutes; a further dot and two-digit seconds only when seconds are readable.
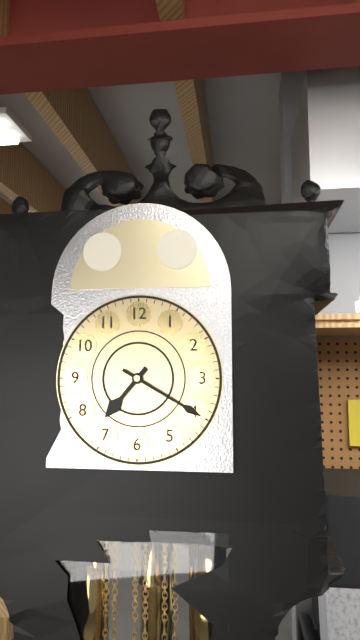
7.20
